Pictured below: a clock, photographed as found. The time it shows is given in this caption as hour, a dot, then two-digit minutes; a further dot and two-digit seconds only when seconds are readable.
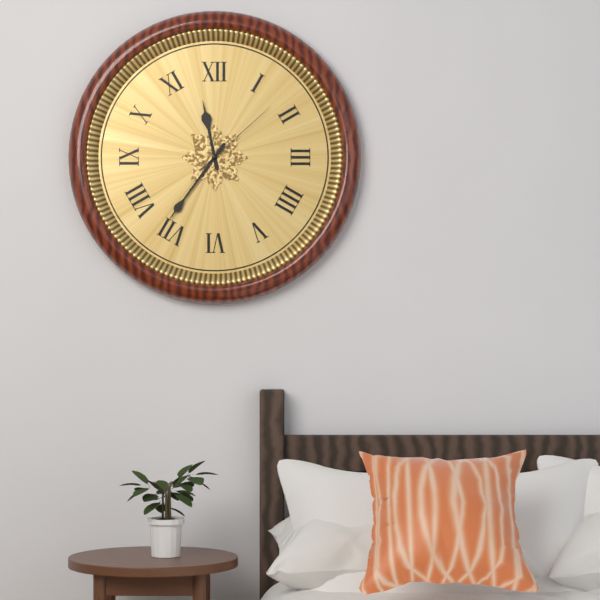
11.36.08
